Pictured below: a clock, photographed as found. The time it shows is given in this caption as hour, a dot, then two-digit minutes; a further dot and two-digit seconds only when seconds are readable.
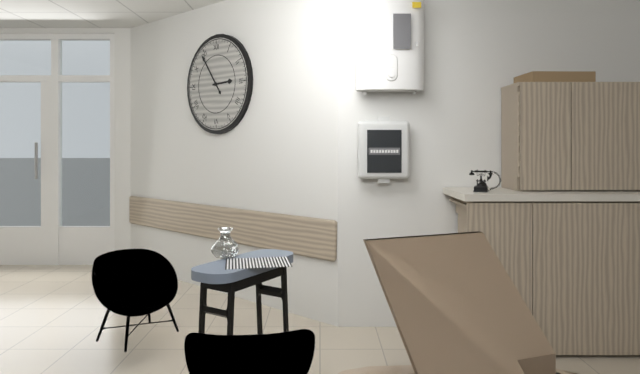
2.54
